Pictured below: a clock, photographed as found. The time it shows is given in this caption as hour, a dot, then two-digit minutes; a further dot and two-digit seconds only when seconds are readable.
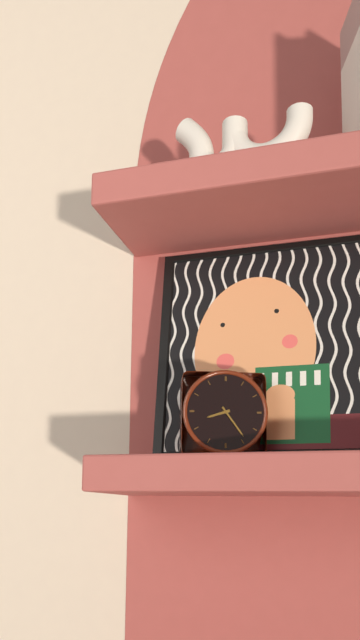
8.24
